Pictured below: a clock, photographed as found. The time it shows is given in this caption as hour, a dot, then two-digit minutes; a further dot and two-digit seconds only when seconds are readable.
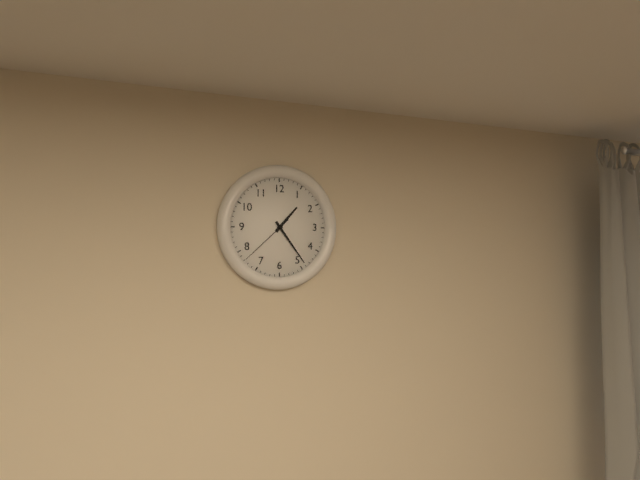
1.24.38
